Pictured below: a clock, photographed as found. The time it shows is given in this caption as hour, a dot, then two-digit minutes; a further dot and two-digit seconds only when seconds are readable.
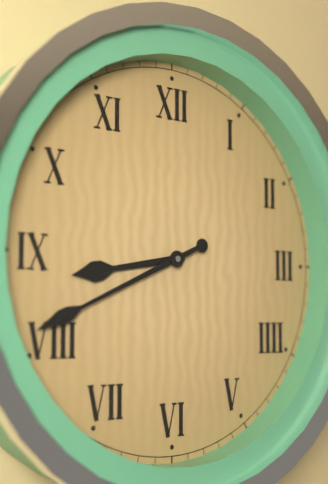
8.41
